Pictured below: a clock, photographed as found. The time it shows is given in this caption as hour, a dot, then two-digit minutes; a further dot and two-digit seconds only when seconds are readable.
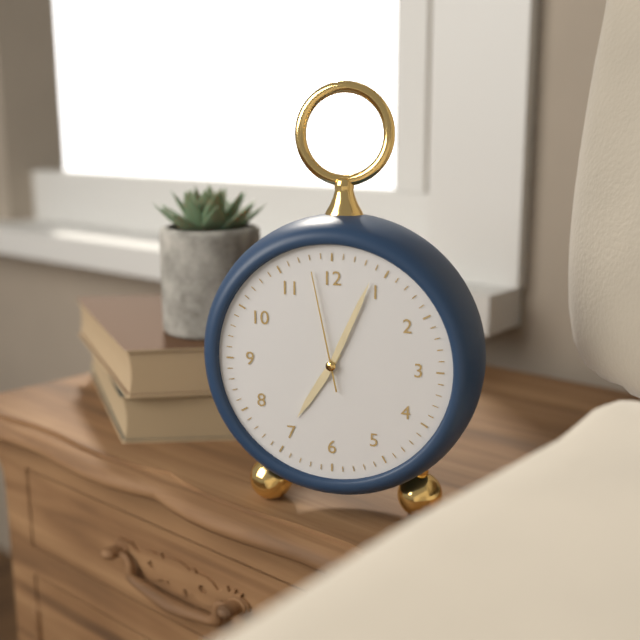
7.04.58
